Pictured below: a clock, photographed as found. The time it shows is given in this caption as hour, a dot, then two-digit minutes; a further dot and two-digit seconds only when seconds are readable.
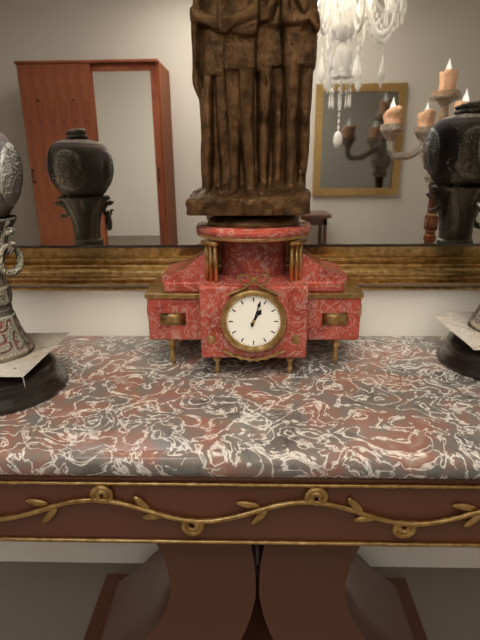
1.03
